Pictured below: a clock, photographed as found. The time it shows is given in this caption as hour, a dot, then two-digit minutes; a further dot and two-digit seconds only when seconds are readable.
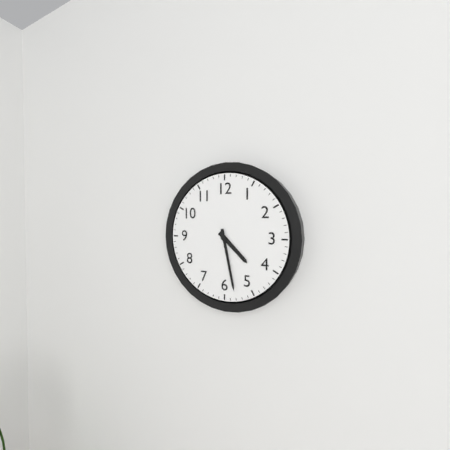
4.28
